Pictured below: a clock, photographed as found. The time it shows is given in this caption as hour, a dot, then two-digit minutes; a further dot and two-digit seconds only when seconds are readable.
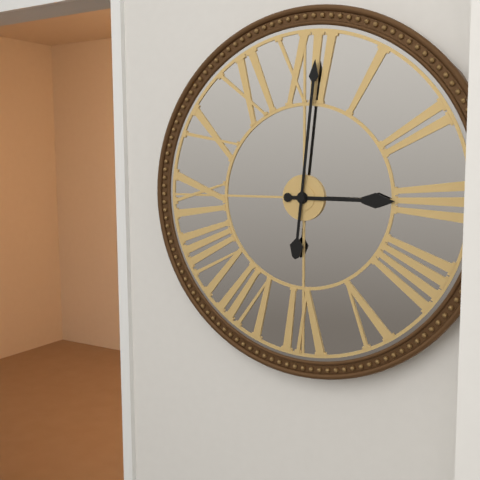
3.01
